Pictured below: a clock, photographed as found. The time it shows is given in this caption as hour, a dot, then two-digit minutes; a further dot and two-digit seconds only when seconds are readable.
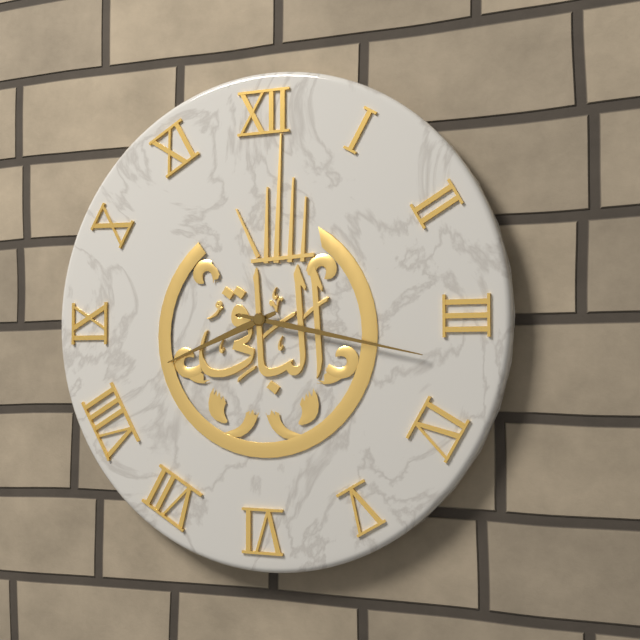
8.17
